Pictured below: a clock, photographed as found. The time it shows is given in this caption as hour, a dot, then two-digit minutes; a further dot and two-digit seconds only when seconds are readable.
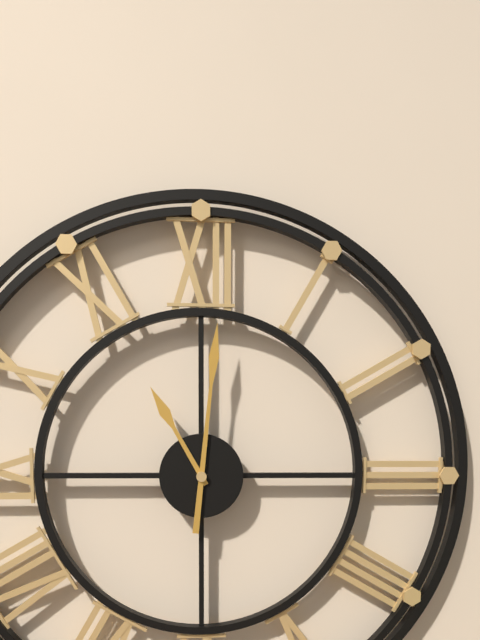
11.01
